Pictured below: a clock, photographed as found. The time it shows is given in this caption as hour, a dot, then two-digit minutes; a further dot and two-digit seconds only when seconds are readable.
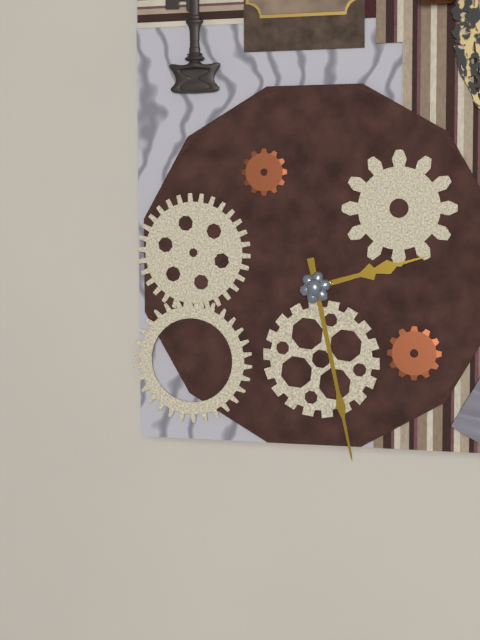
2.28
